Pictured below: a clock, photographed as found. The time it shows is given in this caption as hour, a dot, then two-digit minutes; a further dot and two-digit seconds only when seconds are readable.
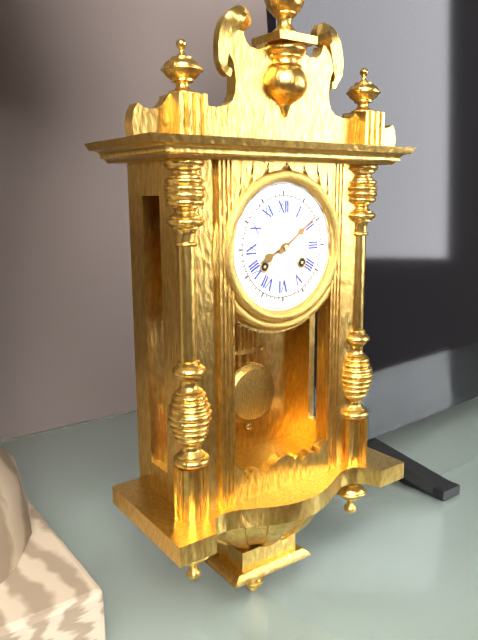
8.09
